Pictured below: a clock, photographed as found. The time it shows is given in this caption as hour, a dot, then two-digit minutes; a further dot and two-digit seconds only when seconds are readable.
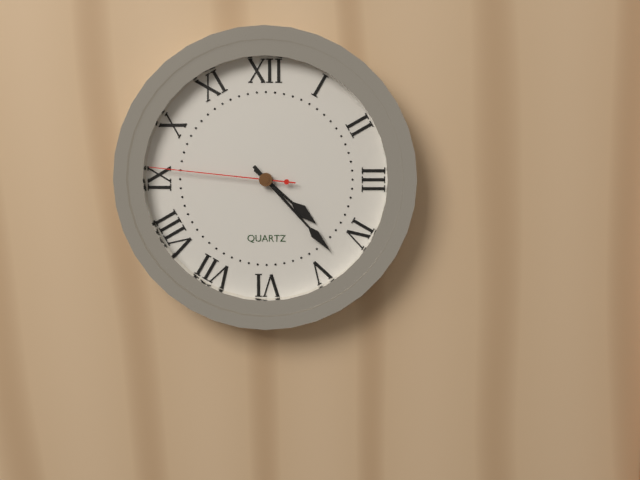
4.23.46
